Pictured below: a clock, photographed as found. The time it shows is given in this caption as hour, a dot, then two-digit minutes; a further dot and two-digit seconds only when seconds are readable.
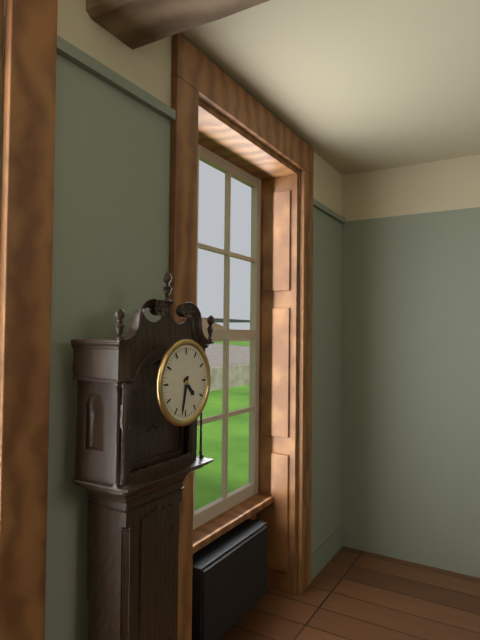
4.32
